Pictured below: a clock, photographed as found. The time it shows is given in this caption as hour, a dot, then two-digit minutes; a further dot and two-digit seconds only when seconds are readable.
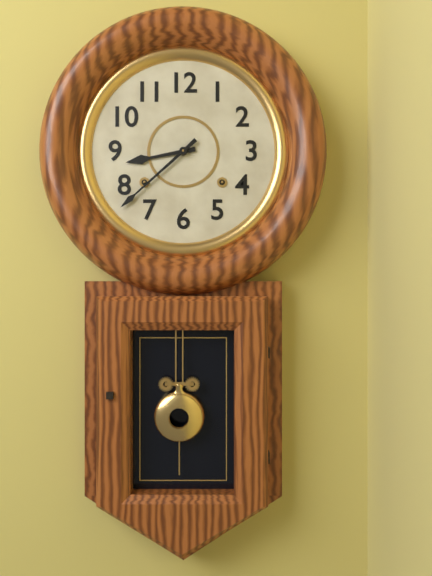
8.38
